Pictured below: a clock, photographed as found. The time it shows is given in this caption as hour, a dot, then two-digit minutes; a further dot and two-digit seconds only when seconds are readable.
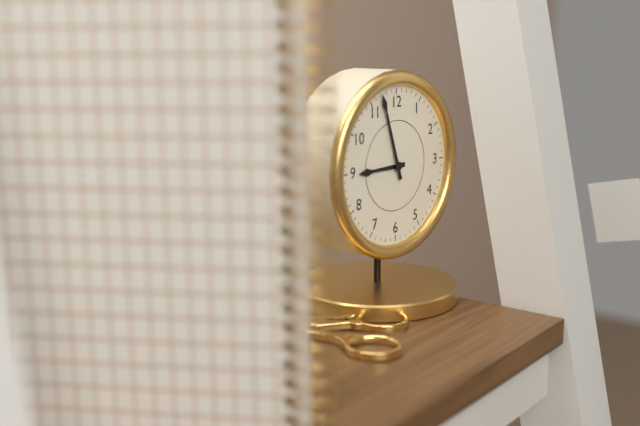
8.57
